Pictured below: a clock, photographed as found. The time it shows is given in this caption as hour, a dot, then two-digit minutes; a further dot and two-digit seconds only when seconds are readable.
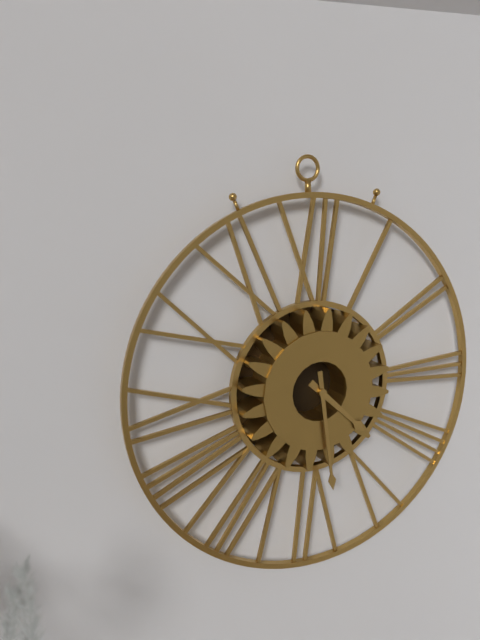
4.29
